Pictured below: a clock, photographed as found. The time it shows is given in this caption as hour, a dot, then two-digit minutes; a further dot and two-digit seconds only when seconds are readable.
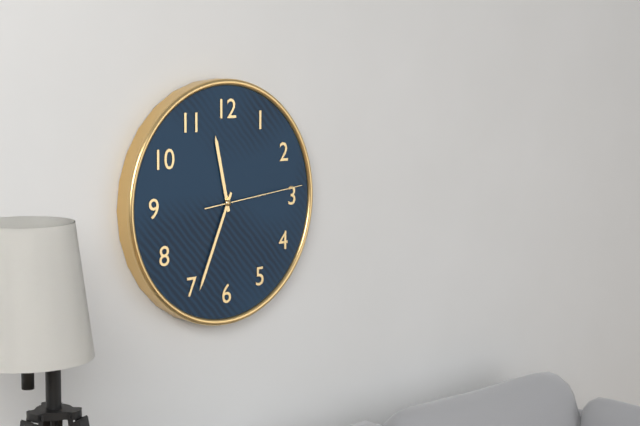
11.34.14
